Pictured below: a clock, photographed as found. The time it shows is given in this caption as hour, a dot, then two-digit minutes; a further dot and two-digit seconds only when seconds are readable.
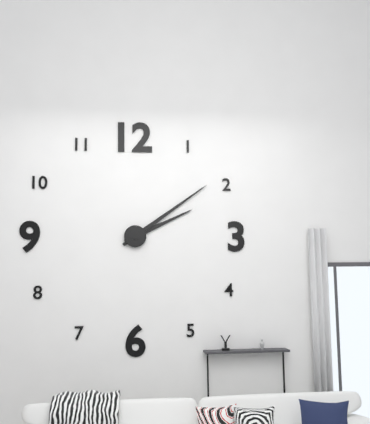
2.09
